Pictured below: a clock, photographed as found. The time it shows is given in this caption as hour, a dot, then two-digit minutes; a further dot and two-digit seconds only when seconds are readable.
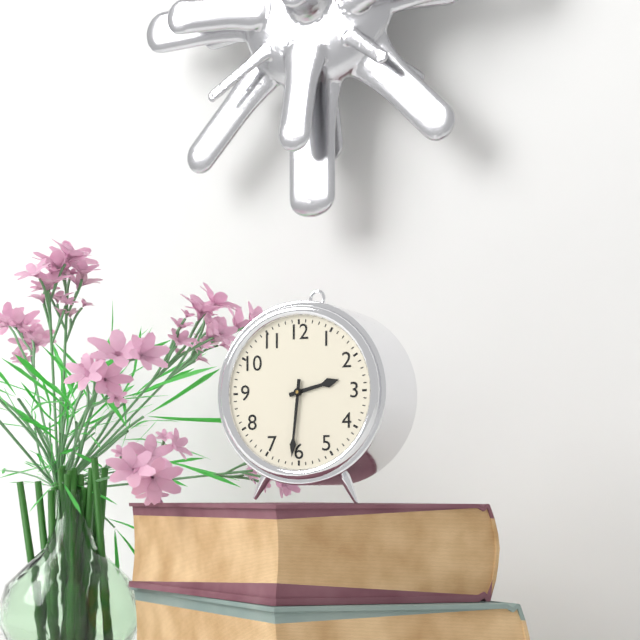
2.31
